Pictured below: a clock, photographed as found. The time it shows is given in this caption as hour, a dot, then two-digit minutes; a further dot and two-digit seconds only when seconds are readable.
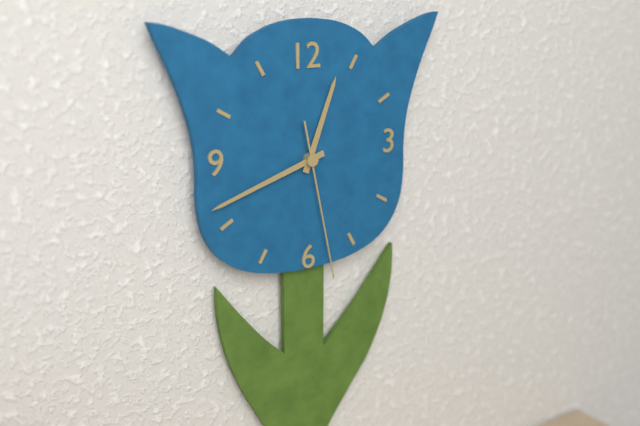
12.42.28
